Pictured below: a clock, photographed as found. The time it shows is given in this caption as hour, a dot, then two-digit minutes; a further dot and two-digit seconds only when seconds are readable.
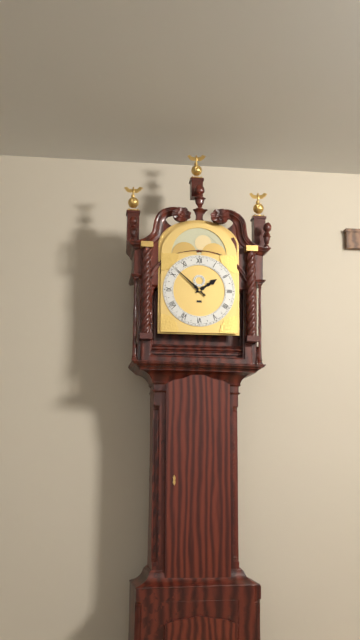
1.52
